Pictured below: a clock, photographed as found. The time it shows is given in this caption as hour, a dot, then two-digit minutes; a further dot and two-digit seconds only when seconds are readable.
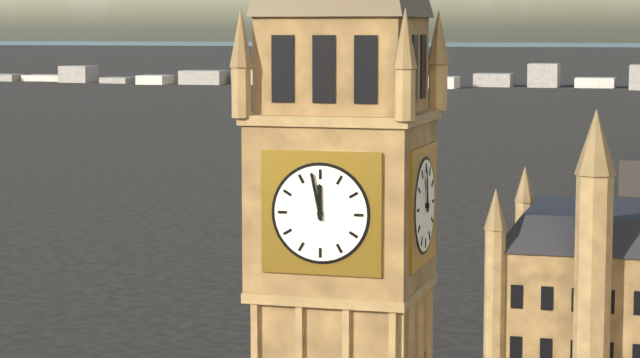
11.58
